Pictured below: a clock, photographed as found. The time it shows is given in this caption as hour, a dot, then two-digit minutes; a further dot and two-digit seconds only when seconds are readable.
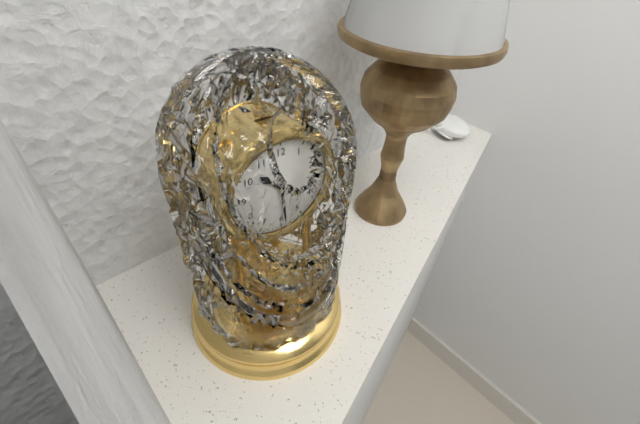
10.29
